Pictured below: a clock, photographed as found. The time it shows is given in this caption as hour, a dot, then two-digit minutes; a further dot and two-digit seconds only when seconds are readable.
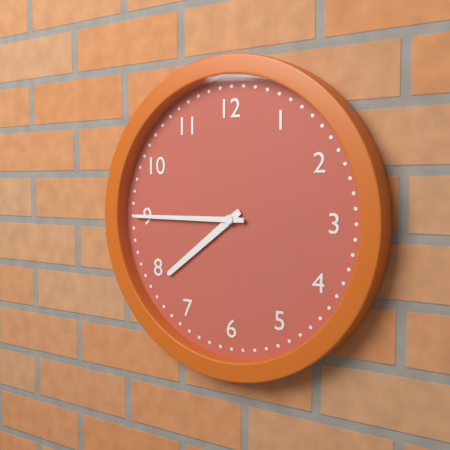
7.45
